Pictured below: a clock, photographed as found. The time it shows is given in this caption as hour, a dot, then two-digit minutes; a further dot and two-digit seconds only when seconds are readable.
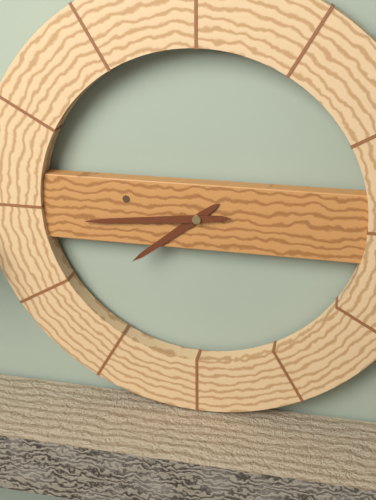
7.44
